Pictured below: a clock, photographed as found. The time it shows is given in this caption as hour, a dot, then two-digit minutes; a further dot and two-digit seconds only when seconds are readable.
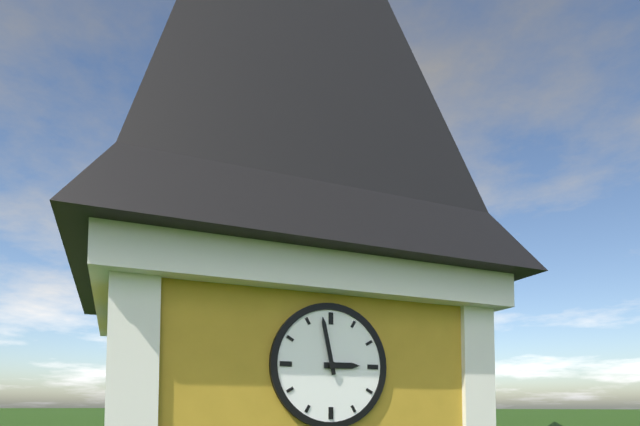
2.58
